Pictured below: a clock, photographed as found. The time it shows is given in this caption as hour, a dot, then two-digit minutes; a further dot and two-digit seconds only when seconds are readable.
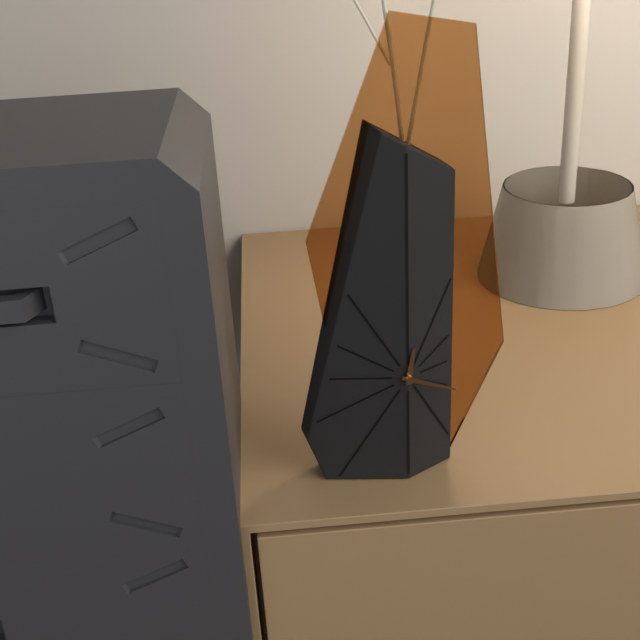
12.19
